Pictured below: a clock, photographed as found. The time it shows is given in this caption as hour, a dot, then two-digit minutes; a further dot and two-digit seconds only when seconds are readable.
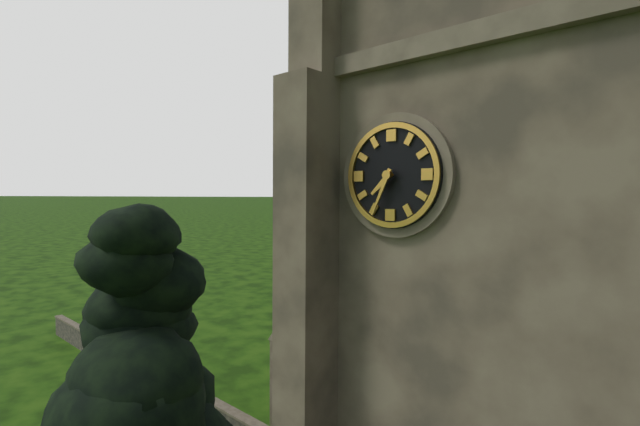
7.34
